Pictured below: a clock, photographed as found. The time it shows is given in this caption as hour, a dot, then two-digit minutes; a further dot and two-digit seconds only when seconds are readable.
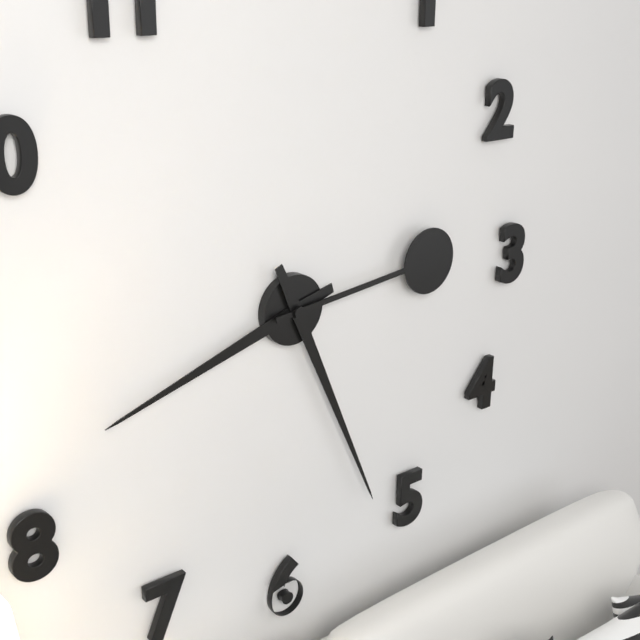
8.26.14
